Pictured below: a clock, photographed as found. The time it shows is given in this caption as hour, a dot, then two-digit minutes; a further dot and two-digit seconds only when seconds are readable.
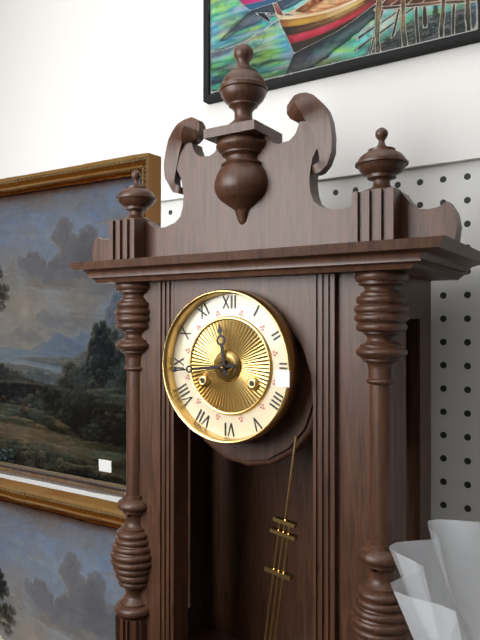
11.44
